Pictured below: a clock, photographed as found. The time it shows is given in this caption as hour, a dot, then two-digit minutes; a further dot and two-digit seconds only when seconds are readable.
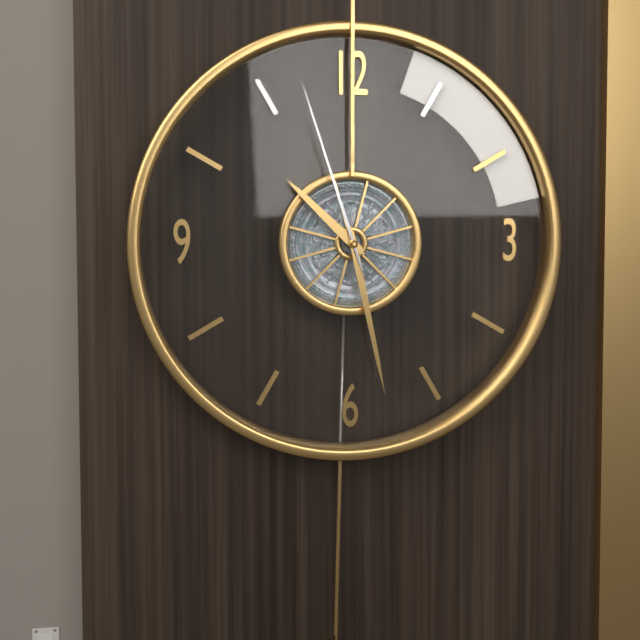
10.28.57
